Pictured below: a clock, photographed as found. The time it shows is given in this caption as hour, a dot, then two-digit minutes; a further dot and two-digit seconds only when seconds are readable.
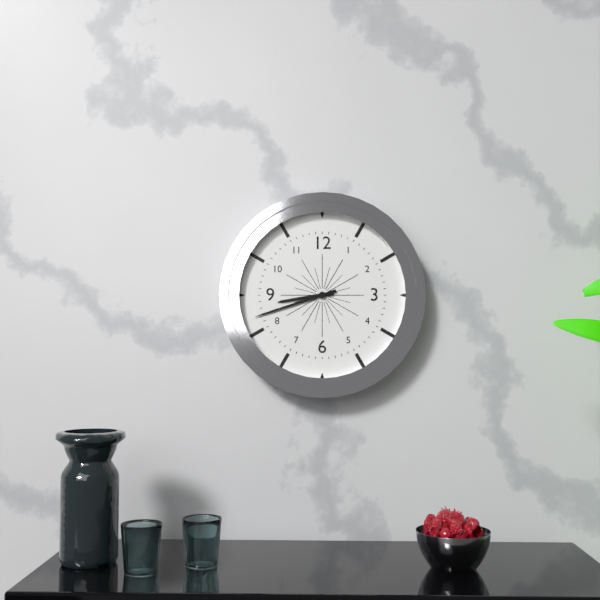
8.42
